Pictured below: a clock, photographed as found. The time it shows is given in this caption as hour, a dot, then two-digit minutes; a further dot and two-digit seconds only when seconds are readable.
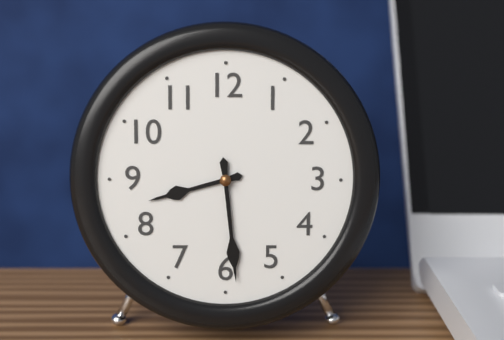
8.29
